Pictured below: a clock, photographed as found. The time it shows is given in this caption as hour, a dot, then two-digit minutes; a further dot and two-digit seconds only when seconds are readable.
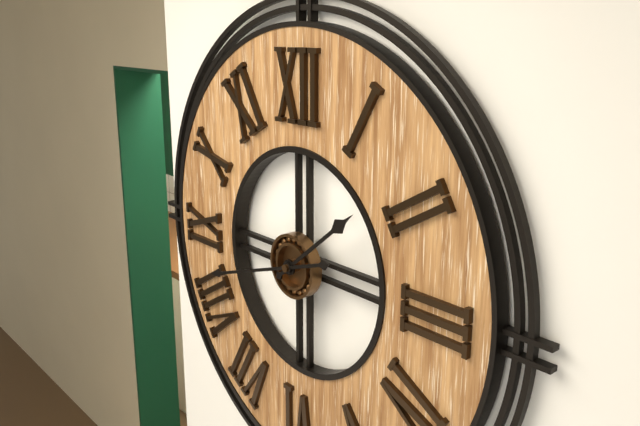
1.42
